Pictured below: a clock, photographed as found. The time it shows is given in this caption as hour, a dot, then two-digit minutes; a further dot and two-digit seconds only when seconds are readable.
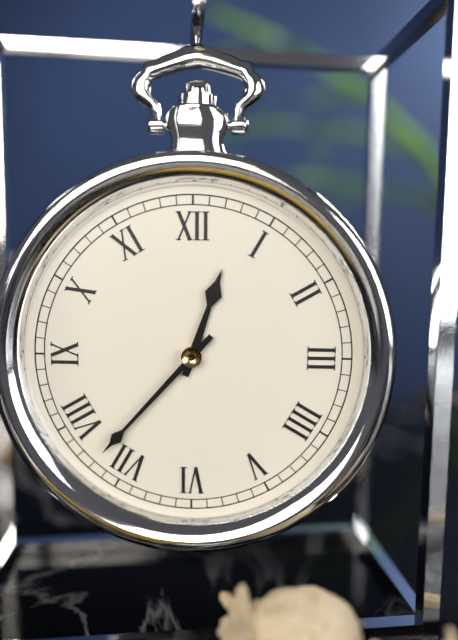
12.37
